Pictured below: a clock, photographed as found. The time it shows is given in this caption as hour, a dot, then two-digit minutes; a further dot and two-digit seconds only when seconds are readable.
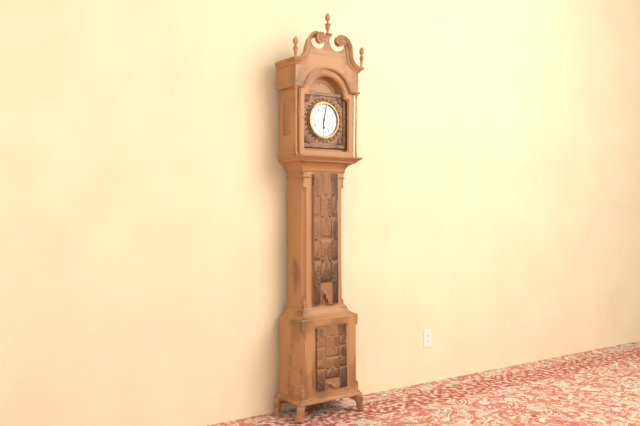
6.02
